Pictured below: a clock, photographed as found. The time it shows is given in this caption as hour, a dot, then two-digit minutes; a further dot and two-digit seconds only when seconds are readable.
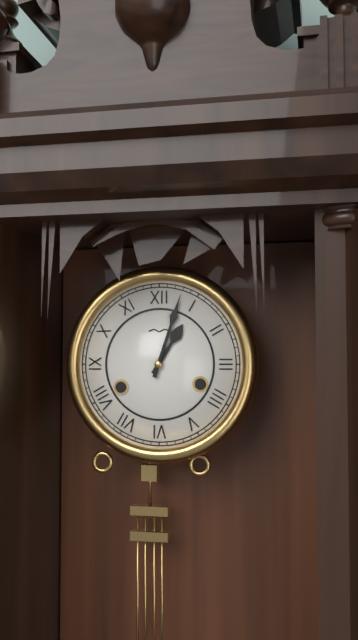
1.03
